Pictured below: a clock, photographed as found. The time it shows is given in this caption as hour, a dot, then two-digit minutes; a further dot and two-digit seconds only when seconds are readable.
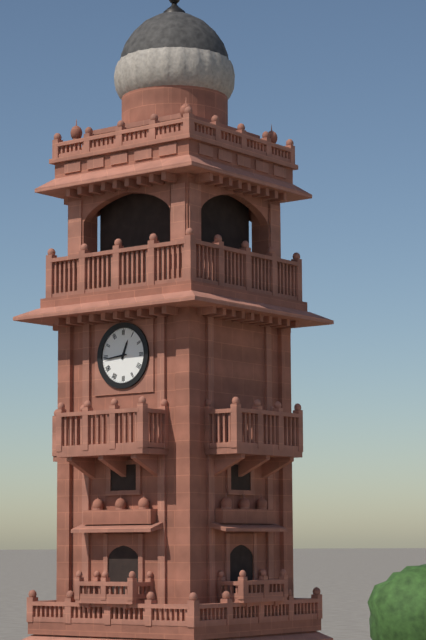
12.44
